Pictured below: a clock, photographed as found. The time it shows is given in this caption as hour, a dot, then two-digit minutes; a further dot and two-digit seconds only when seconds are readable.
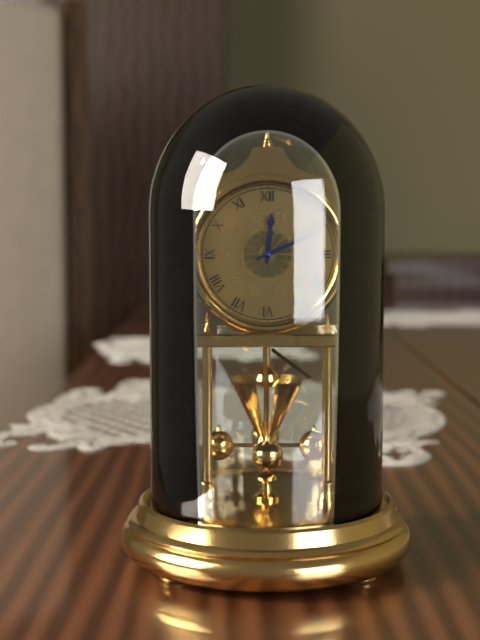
12.11
